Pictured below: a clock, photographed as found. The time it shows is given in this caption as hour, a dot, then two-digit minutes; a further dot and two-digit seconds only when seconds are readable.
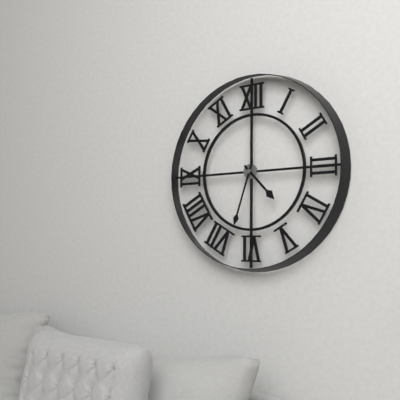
4.33
